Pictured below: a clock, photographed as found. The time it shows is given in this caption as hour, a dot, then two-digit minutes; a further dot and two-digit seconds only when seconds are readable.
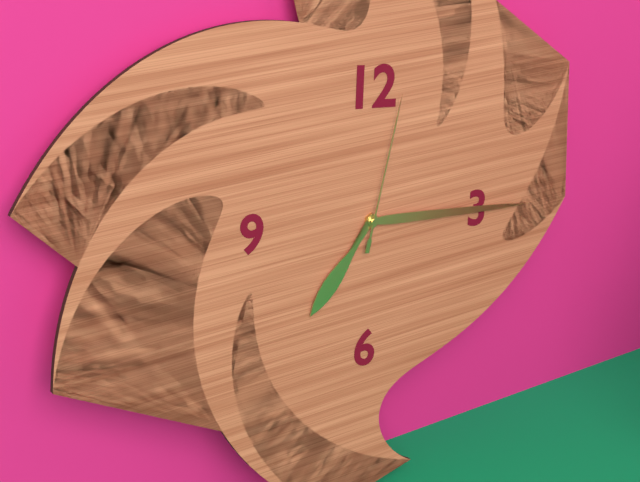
7.15.02
